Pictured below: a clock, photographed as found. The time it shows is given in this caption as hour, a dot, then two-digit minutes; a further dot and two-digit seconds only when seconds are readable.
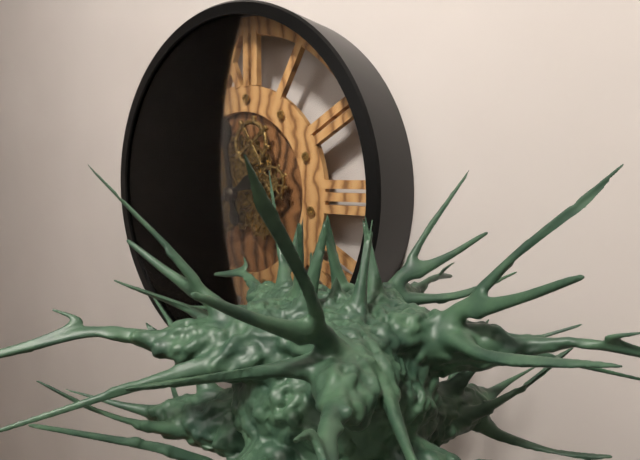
11.41
